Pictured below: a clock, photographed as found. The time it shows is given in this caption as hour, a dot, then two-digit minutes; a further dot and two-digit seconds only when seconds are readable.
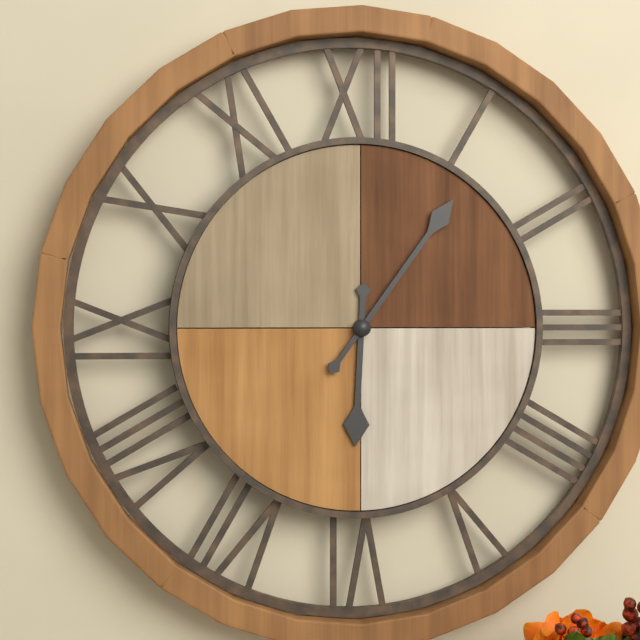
6.06
